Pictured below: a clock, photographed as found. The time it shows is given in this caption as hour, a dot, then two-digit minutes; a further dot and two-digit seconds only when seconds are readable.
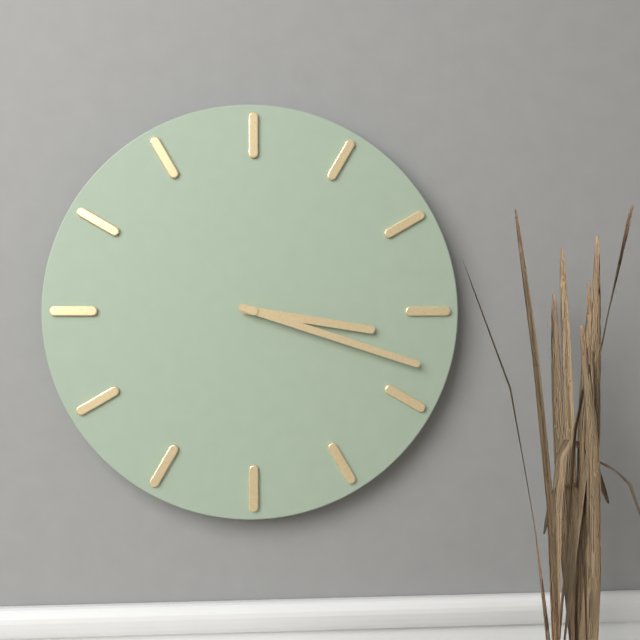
3.18
